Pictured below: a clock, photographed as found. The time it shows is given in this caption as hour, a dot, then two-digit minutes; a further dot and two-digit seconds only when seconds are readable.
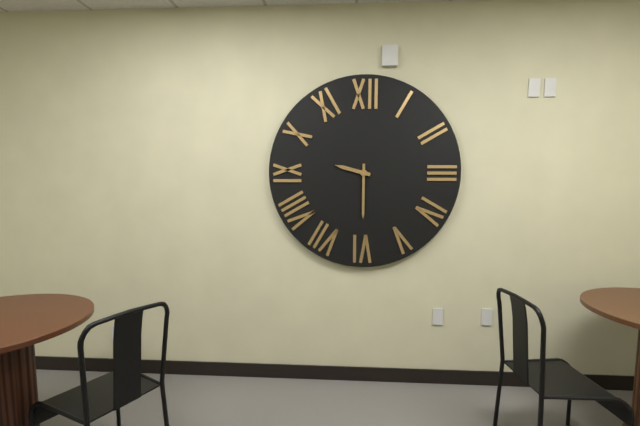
9.30
